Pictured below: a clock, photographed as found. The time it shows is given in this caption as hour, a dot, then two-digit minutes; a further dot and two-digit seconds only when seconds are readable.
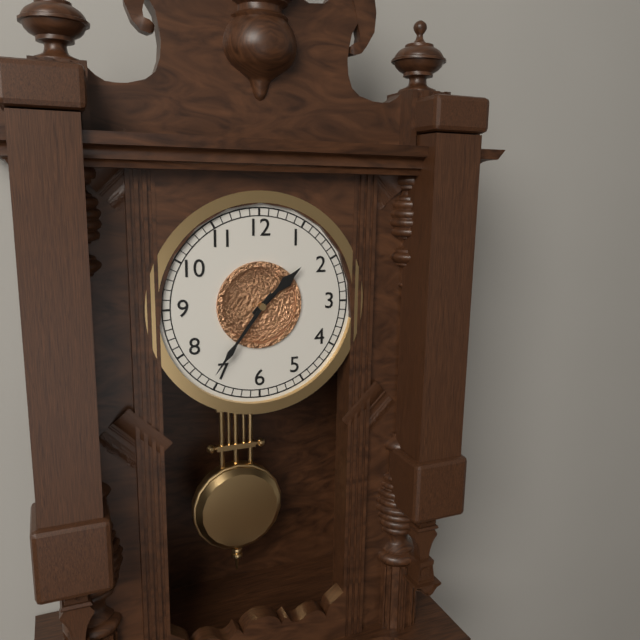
1.36
